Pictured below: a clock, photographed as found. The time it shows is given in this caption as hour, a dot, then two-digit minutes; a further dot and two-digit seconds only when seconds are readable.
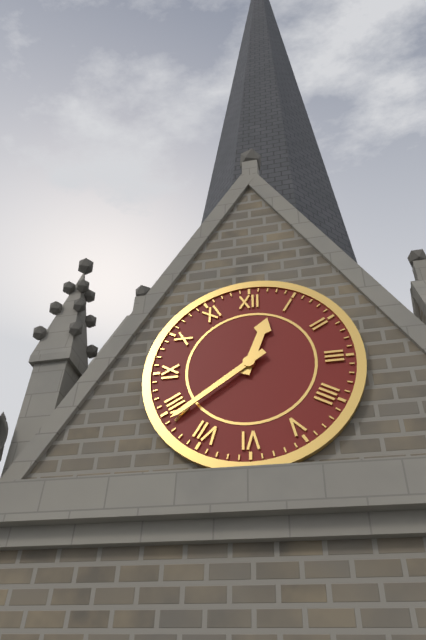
12.39
